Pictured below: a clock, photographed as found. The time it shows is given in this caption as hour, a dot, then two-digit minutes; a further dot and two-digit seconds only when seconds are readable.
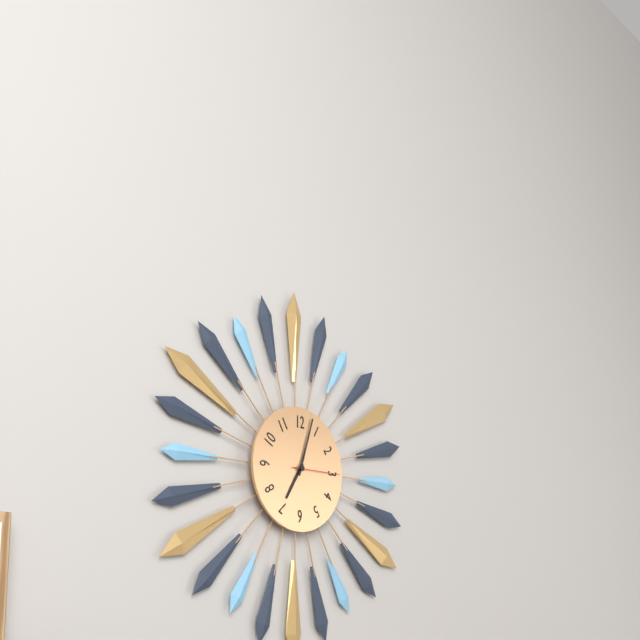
7.03
